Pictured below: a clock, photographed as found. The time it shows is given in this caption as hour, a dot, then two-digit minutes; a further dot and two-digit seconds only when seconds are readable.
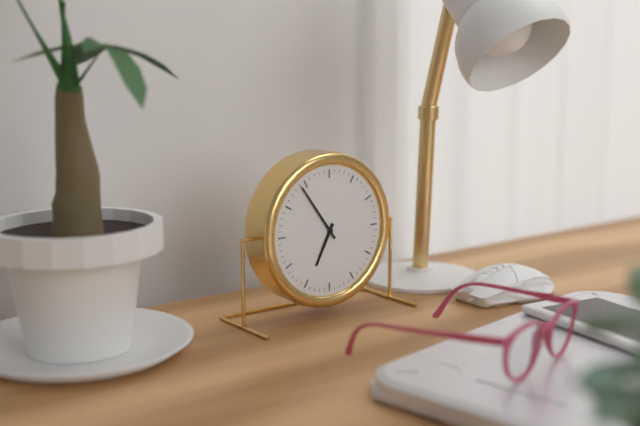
6.54
